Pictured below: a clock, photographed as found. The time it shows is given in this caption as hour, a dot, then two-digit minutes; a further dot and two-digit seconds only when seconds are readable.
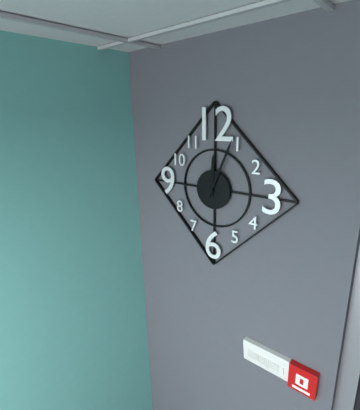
12.04
